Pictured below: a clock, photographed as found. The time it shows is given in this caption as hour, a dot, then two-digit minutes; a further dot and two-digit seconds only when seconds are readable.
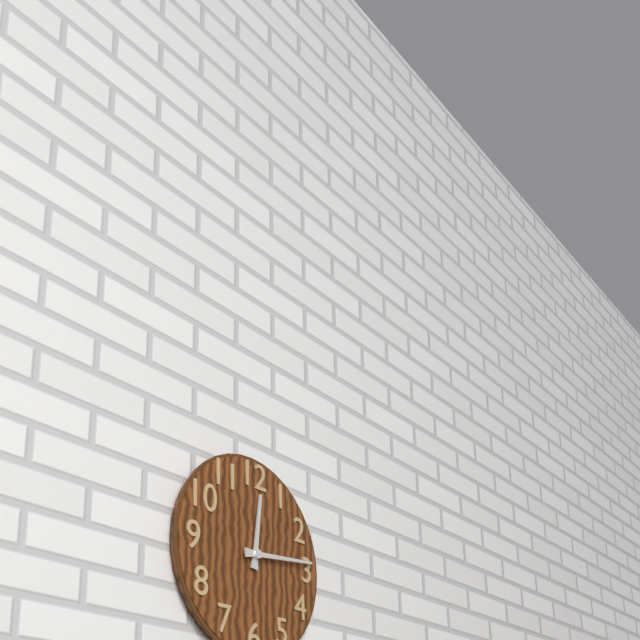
12.14
